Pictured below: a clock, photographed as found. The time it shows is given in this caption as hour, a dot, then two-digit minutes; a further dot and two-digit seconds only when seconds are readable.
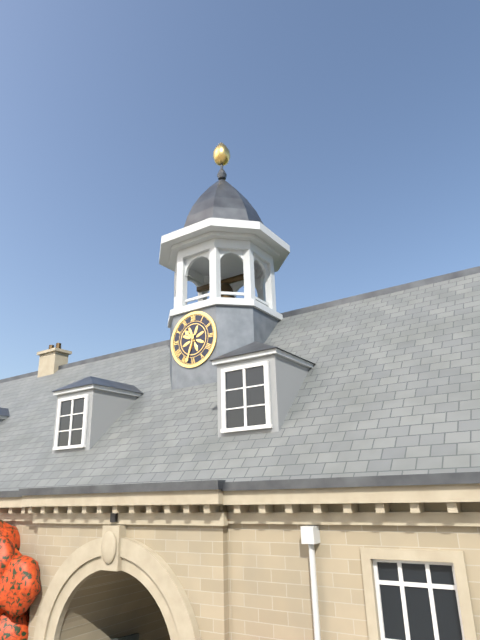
10.33
